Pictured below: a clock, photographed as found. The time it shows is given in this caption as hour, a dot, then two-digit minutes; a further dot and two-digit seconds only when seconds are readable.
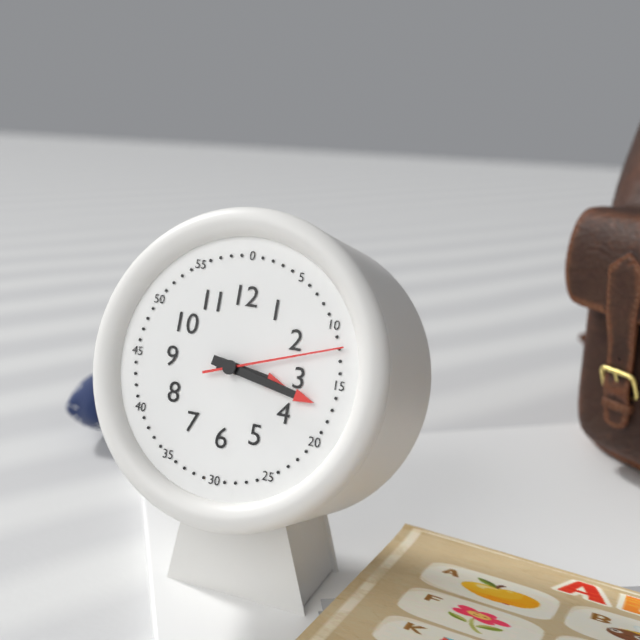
3.17.12
